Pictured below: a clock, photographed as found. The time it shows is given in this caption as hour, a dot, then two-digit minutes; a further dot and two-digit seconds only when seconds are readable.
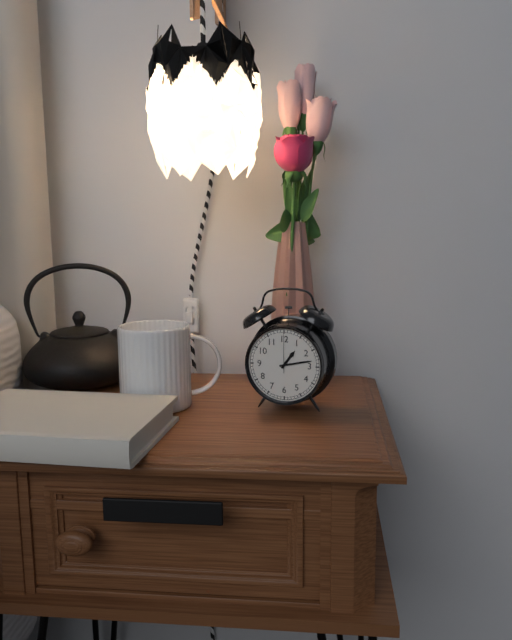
1.13
